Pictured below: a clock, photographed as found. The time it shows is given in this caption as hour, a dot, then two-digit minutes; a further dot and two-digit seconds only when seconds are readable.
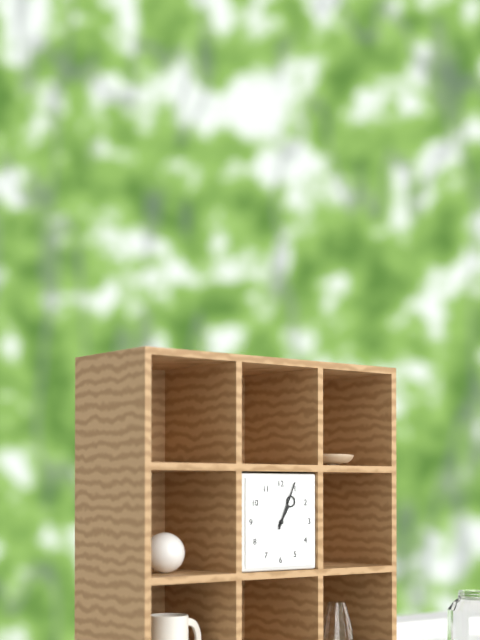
1.04
